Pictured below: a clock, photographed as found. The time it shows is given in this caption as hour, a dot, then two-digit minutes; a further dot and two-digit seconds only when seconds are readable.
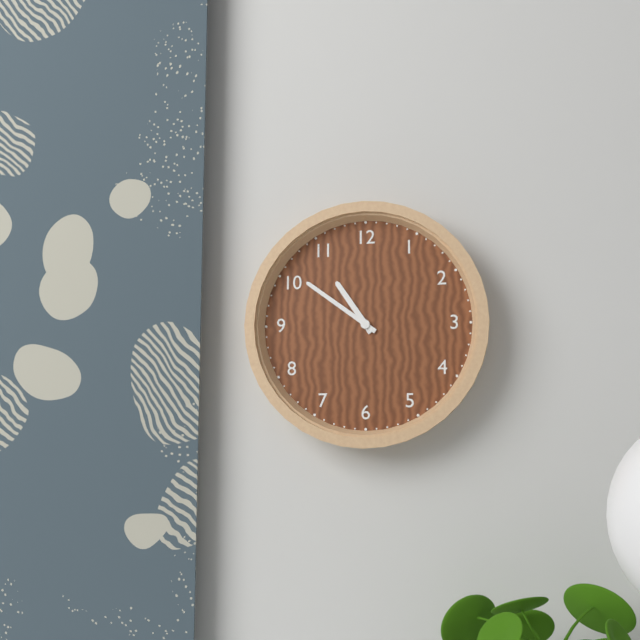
10.51
